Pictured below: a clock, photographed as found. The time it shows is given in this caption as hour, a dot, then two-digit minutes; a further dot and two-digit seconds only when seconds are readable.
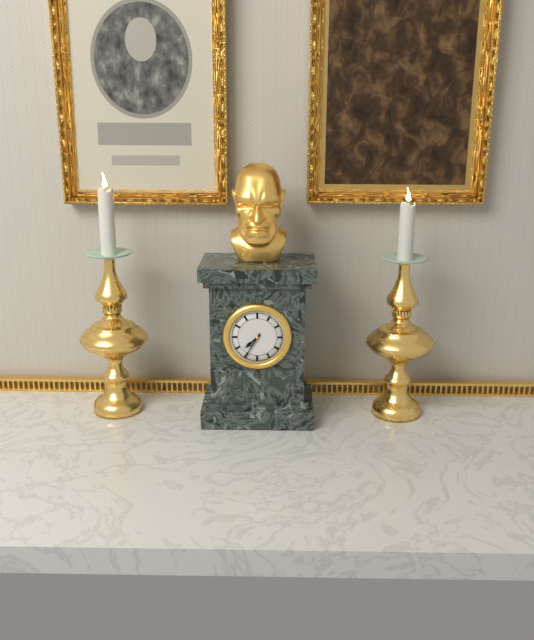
7.35
